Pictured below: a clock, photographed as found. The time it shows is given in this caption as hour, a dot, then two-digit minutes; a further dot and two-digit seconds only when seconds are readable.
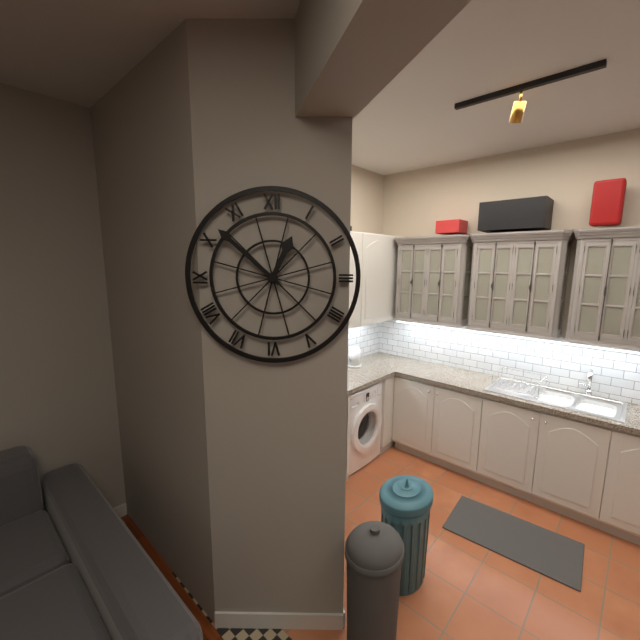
12.52
